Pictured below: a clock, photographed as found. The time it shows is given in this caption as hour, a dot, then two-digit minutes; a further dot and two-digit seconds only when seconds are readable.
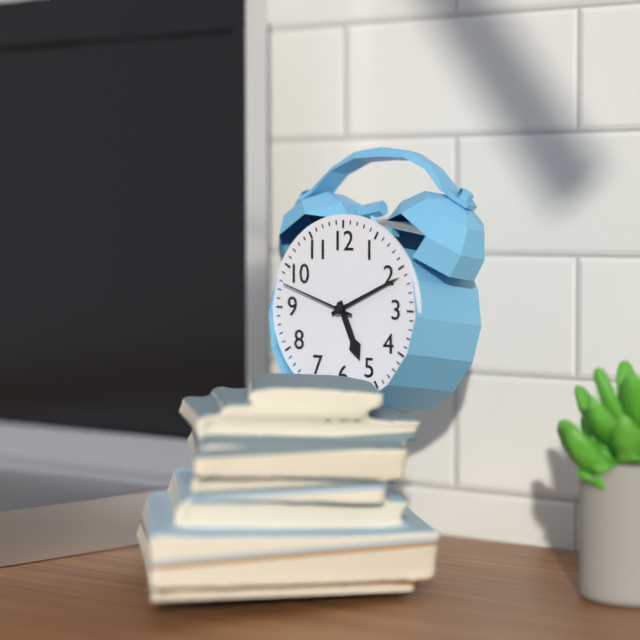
5.11.48
